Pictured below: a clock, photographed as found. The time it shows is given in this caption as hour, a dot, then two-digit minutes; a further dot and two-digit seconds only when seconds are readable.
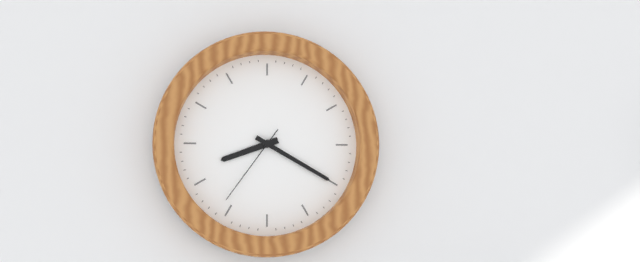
8.20.36
